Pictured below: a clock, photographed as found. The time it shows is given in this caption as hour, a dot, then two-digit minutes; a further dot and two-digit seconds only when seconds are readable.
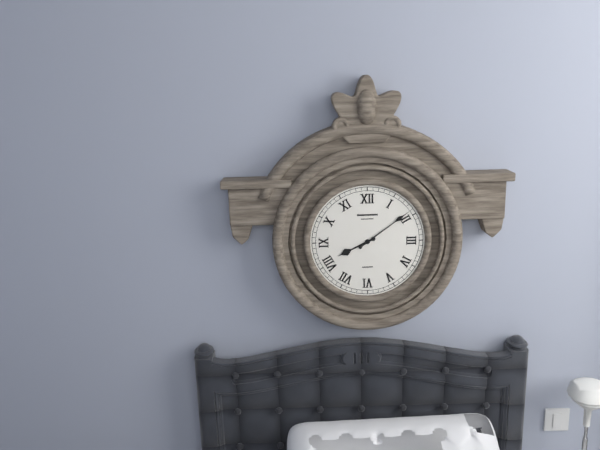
8.09
